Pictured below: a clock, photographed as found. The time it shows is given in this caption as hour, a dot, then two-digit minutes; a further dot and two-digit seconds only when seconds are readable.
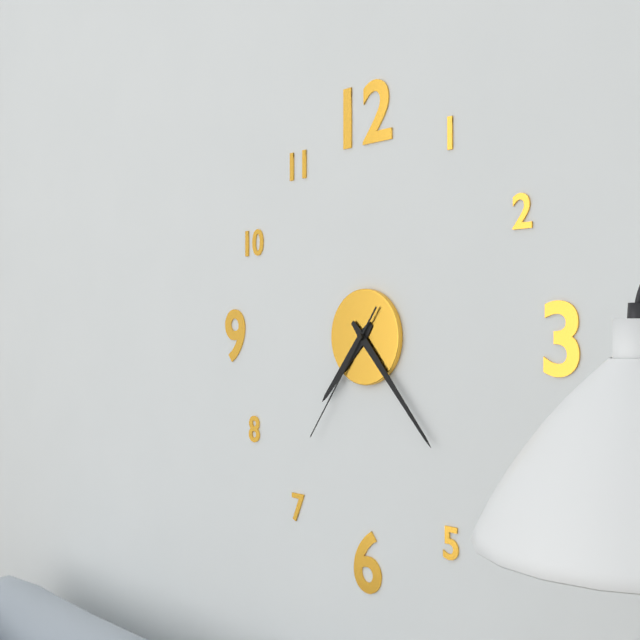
7.23.36
